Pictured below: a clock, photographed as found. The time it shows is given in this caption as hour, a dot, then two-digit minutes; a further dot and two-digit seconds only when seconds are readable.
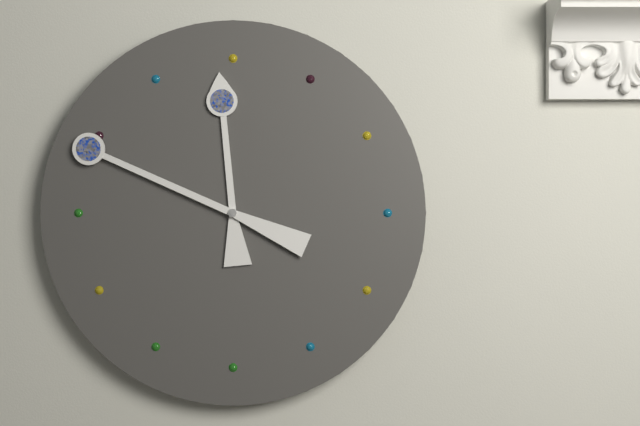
11.49
